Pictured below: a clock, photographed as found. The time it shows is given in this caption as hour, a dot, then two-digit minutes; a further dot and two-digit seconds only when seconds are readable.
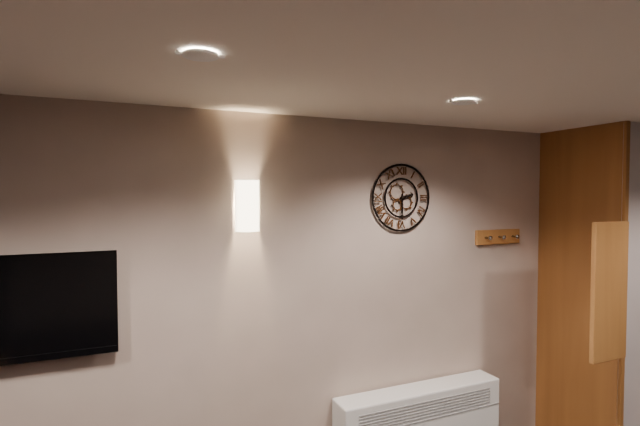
2.30
